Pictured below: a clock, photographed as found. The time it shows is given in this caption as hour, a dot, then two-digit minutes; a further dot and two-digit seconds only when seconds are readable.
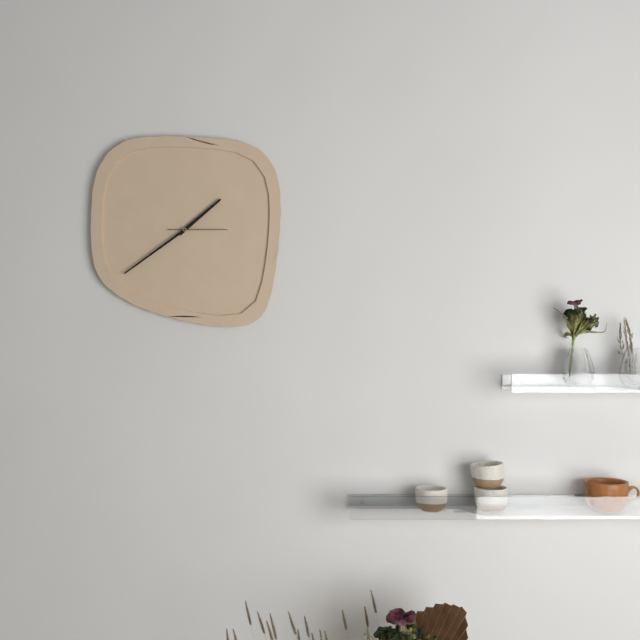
1.39.15
